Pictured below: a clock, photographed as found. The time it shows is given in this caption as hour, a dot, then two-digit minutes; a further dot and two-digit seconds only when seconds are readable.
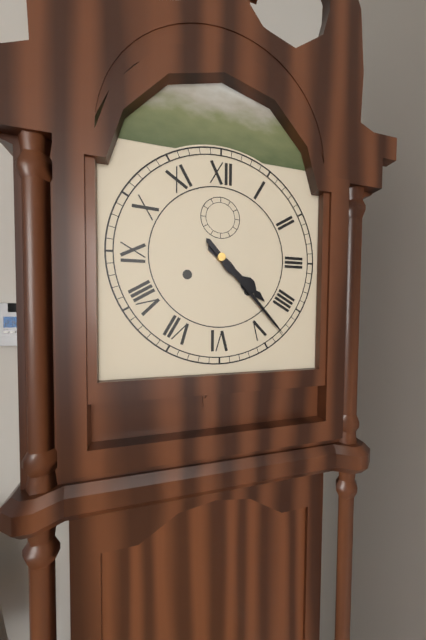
4.23
